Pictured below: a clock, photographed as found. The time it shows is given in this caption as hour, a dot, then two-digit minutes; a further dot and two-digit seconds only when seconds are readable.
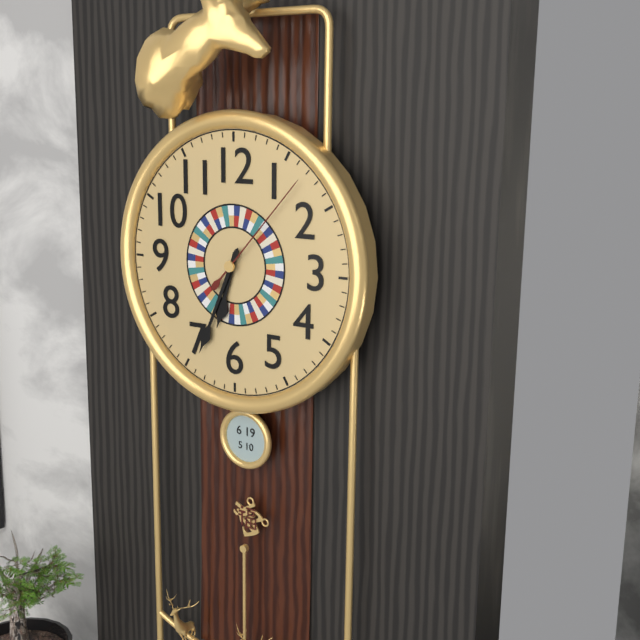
6.34.07
